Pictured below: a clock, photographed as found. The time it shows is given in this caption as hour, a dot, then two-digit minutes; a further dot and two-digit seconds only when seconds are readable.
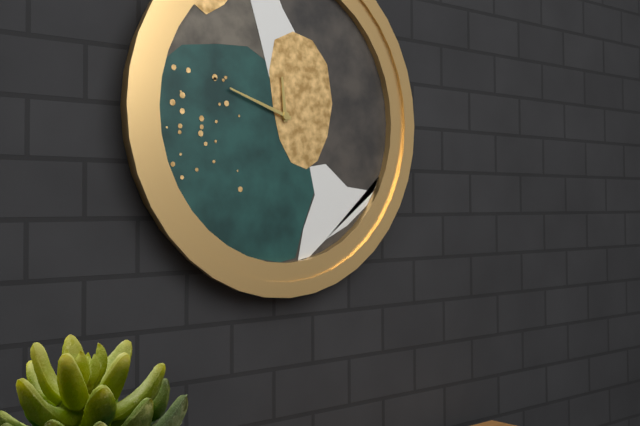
11.48
